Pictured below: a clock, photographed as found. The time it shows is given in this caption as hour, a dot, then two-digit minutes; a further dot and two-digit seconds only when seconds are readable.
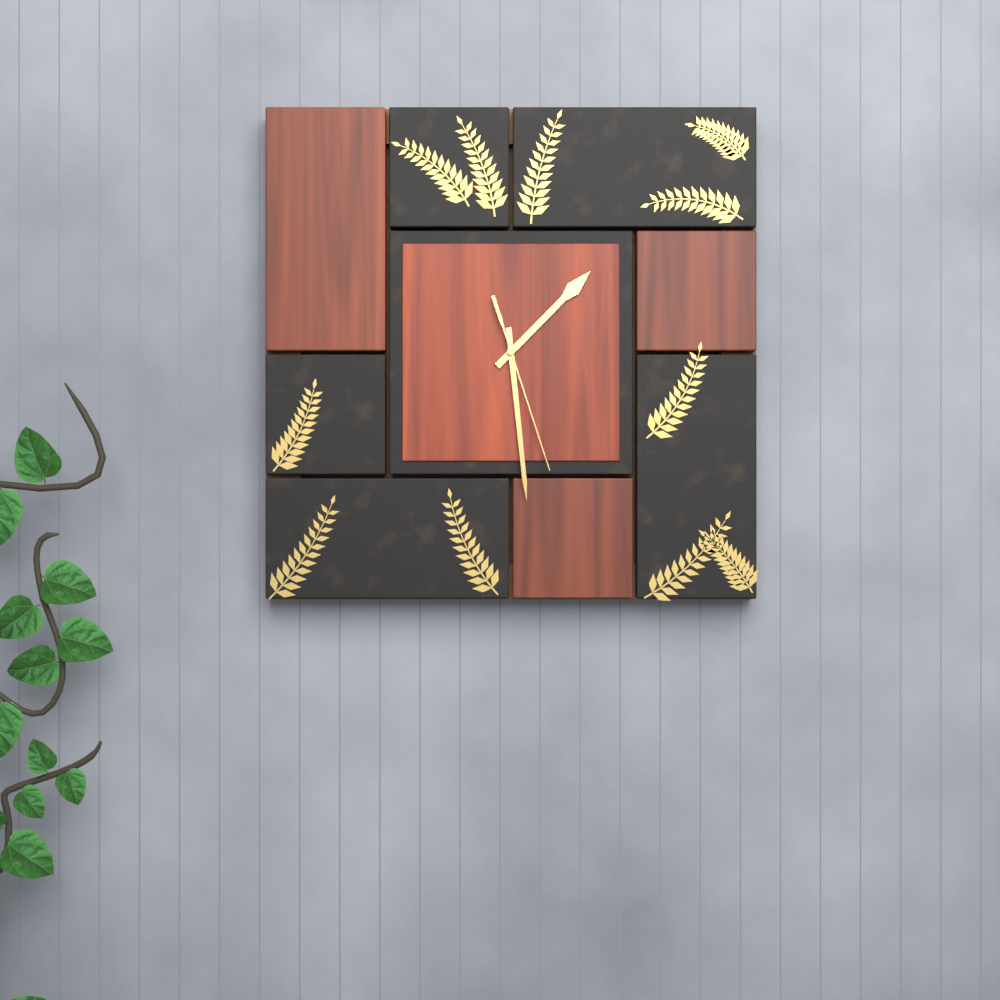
1.29.27
